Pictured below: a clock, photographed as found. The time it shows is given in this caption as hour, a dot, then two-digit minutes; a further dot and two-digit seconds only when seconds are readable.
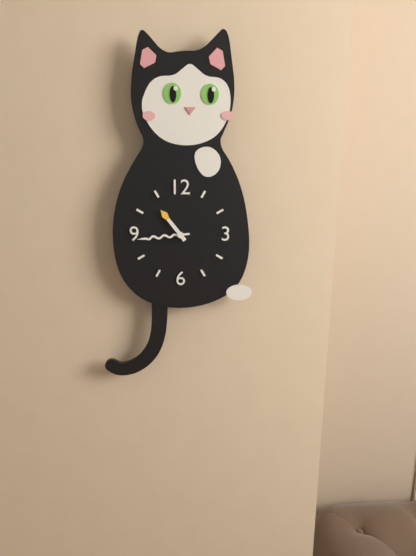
10.44
